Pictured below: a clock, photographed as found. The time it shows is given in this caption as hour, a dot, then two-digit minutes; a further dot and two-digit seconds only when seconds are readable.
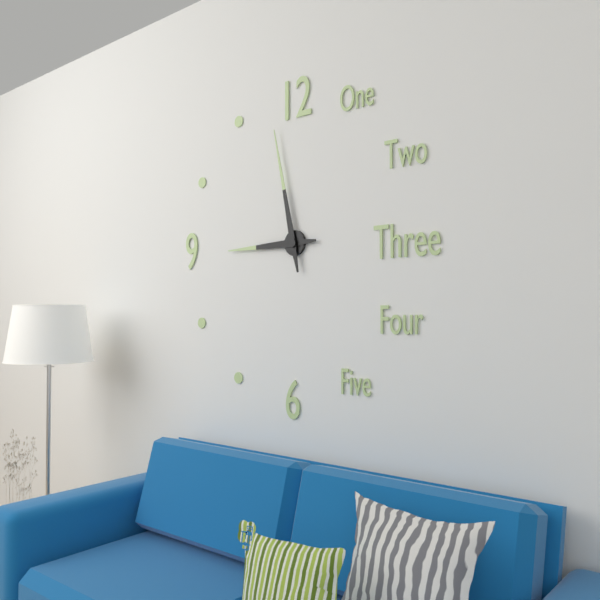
8.58
